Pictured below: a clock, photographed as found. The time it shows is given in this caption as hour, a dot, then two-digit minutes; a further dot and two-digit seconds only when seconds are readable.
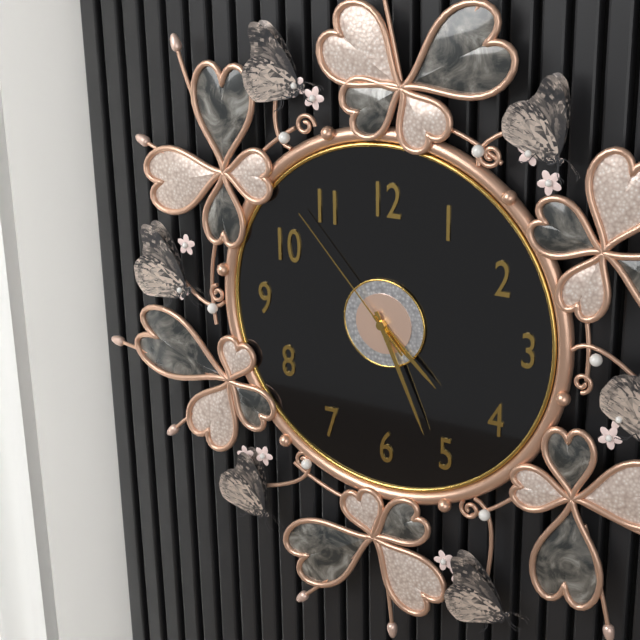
4.26.53
